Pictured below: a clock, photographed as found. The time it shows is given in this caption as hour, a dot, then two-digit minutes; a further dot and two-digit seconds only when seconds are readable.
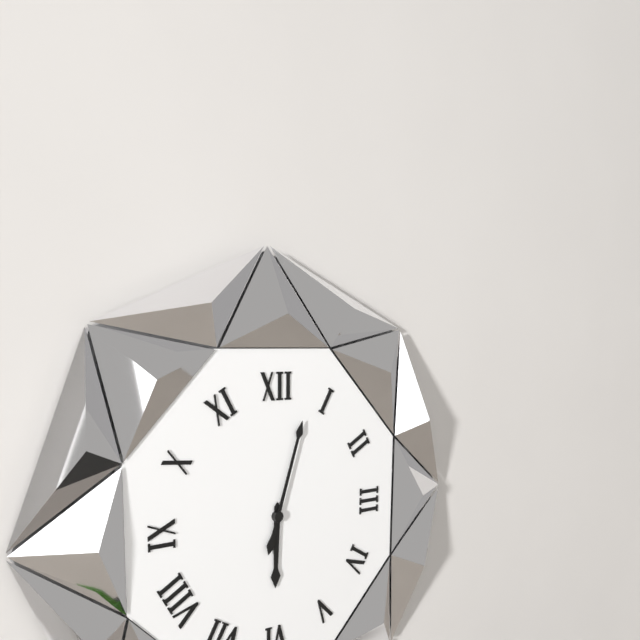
6.03
